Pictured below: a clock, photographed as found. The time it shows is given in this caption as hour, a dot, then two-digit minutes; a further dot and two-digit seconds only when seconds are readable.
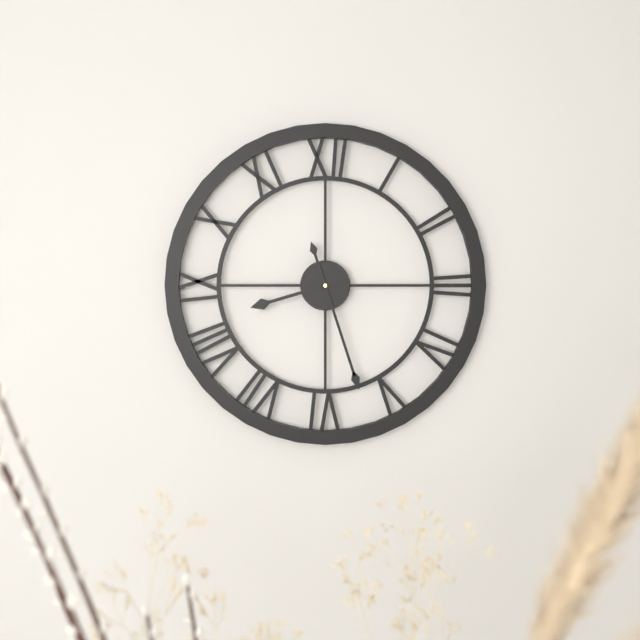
8.27
